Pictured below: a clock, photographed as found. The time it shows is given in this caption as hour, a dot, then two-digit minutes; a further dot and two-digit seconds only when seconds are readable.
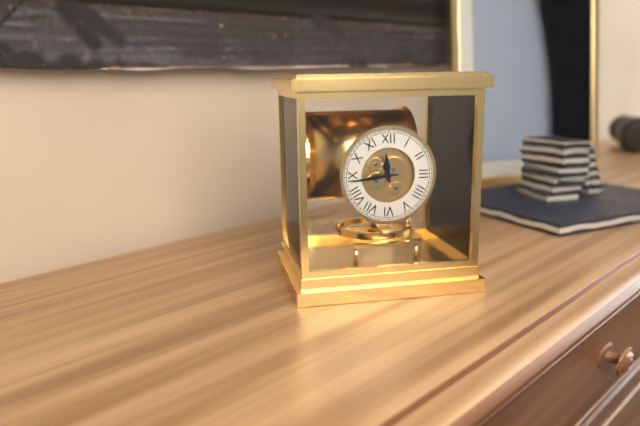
11.44
